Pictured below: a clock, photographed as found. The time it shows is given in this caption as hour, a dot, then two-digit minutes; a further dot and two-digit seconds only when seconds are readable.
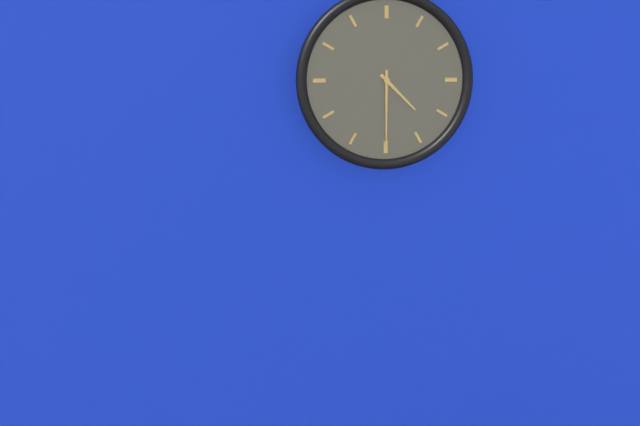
4.30
